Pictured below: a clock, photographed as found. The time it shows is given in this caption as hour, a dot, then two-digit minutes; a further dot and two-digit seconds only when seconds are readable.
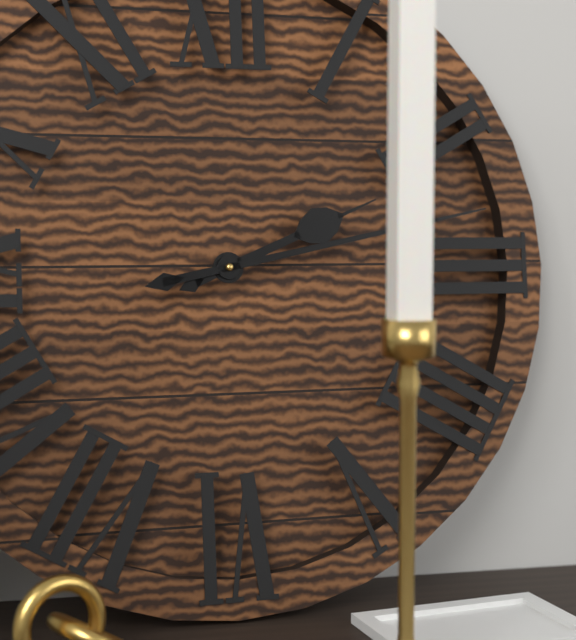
2.13
